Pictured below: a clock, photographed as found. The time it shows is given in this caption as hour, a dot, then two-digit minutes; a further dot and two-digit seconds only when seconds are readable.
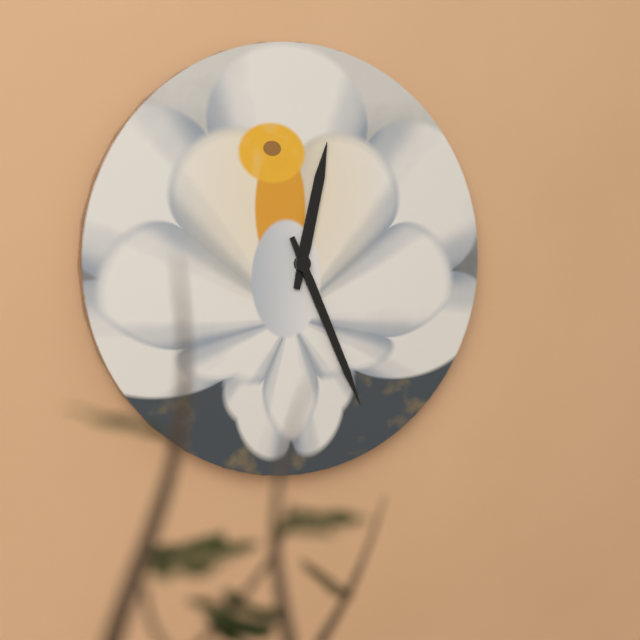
12.26
